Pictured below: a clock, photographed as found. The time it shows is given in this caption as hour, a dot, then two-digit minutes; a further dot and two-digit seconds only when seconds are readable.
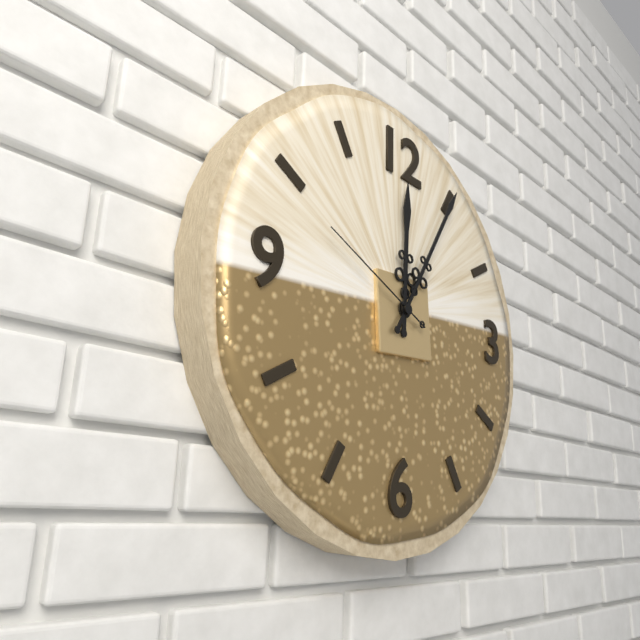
12.05.49
